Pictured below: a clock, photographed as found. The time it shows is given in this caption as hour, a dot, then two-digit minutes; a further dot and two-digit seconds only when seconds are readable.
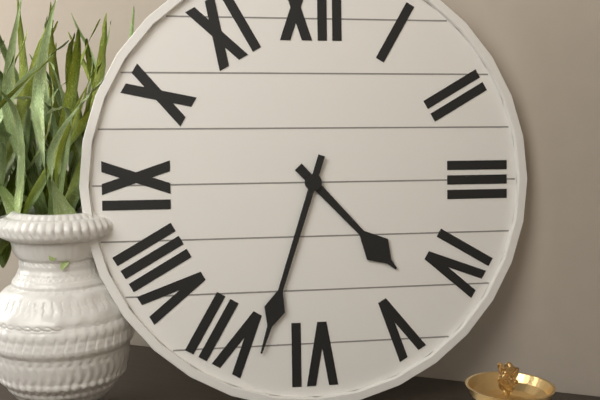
4.33
